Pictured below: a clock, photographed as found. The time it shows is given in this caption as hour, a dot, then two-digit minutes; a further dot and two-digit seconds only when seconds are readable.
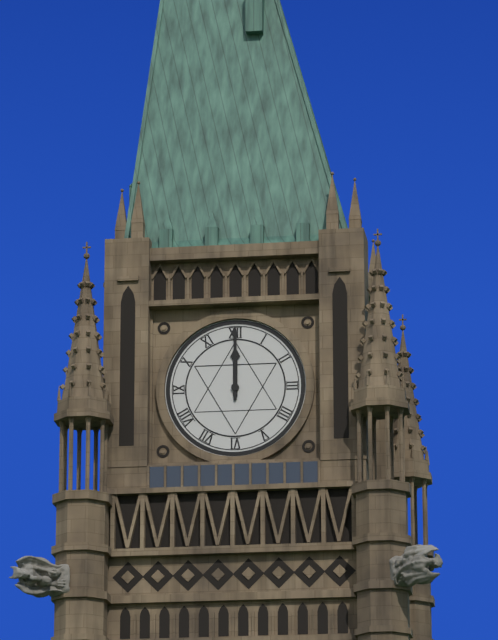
12.00
